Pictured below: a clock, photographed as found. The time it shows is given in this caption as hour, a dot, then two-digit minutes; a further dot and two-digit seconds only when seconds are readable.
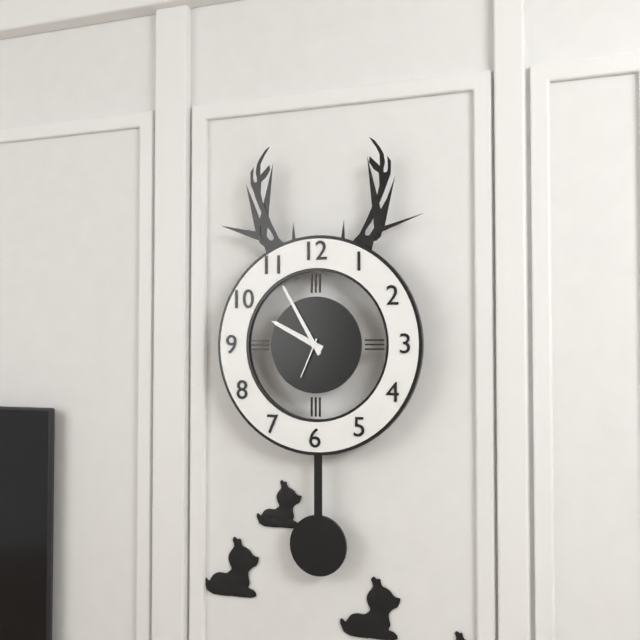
9.55
